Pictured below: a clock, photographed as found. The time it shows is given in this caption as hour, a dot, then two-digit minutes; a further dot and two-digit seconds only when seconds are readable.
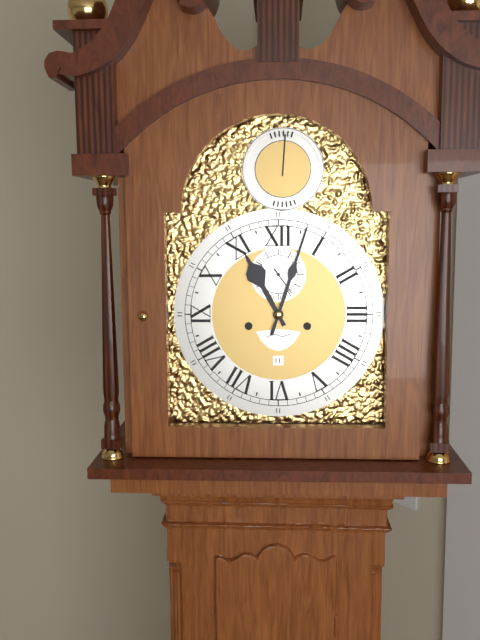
11.03
